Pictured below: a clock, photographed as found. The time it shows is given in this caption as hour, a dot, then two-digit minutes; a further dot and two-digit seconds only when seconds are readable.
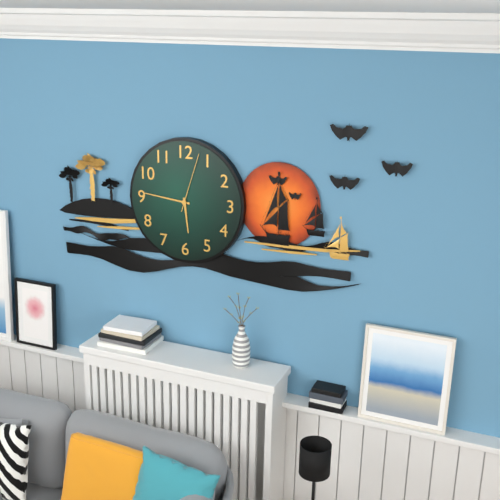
5.46.03
